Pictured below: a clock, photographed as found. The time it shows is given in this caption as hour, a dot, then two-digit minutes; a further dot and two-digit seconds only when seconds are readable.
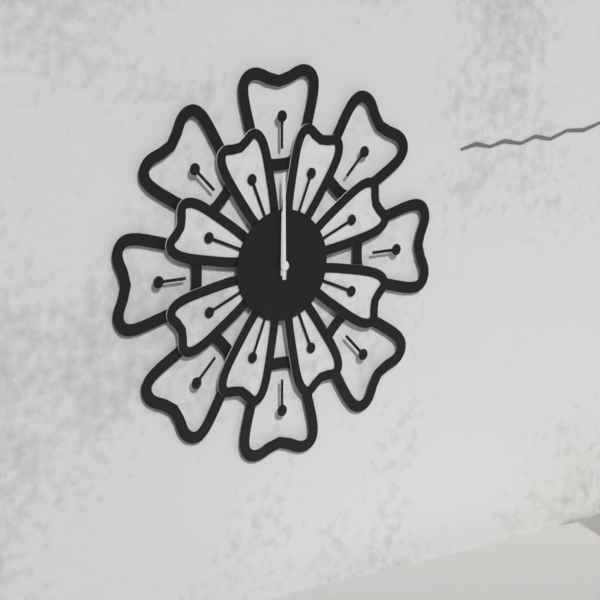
12.00
